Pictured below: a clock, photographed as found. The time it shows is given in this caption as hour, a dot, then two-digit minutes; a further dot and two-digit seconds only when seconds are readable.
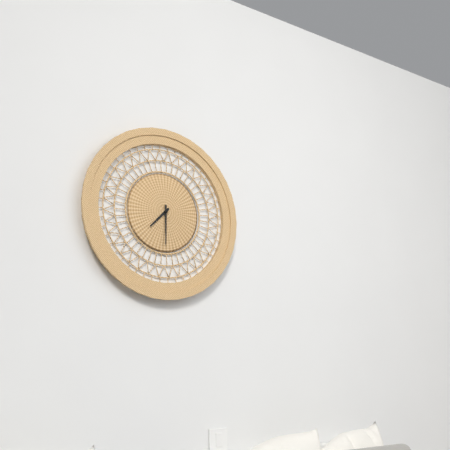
7.30
